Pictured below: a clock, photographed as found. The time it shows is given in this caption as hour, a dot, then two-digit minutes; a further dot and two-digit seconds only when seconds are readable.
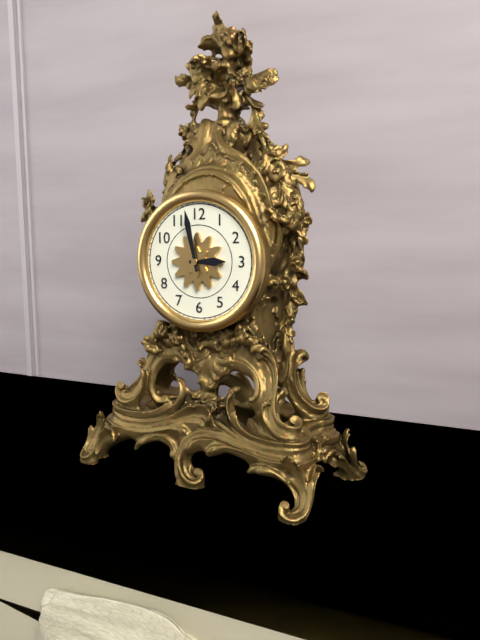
2.58
